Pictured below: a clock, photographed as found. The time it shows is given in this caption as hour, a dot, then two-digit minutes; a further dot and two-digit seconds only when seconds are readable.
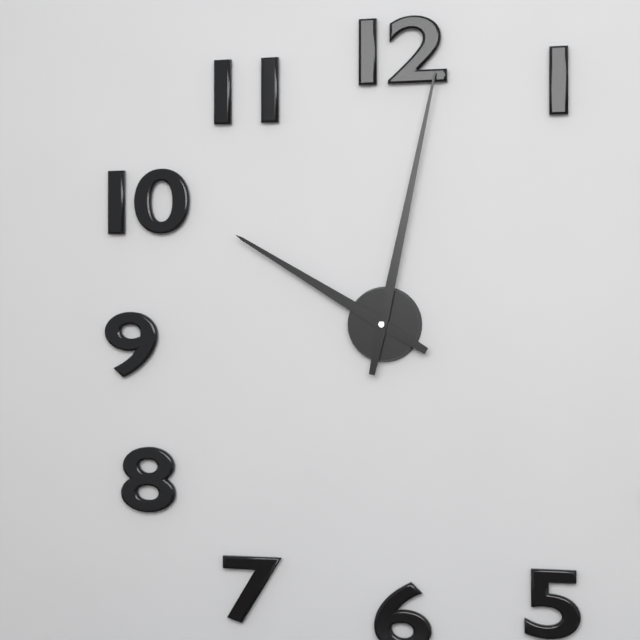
10.02
